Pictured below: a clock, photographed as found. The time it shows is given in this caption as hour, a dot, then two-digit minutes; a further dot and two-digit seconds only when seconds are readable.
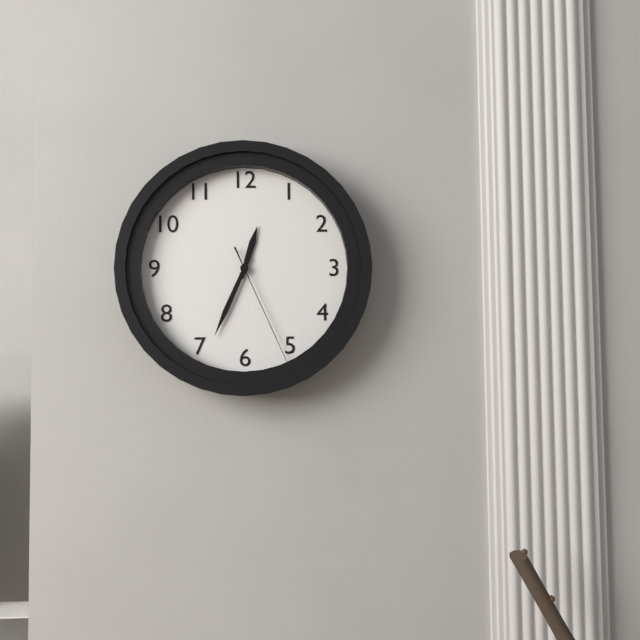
12.34.26
